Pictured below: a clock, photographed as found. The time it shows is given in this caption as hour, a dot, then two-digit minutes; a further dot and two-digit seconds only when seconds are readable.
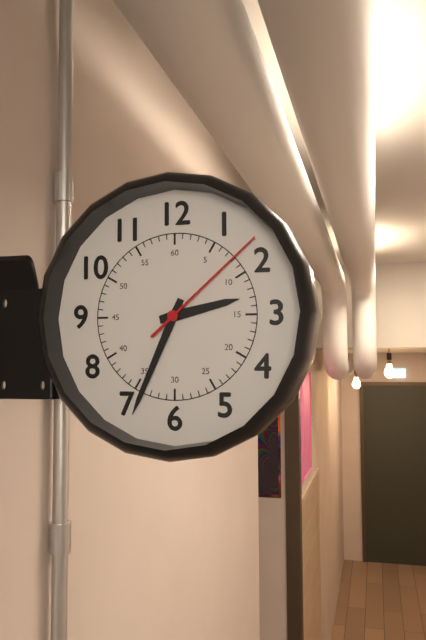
2.34.08
